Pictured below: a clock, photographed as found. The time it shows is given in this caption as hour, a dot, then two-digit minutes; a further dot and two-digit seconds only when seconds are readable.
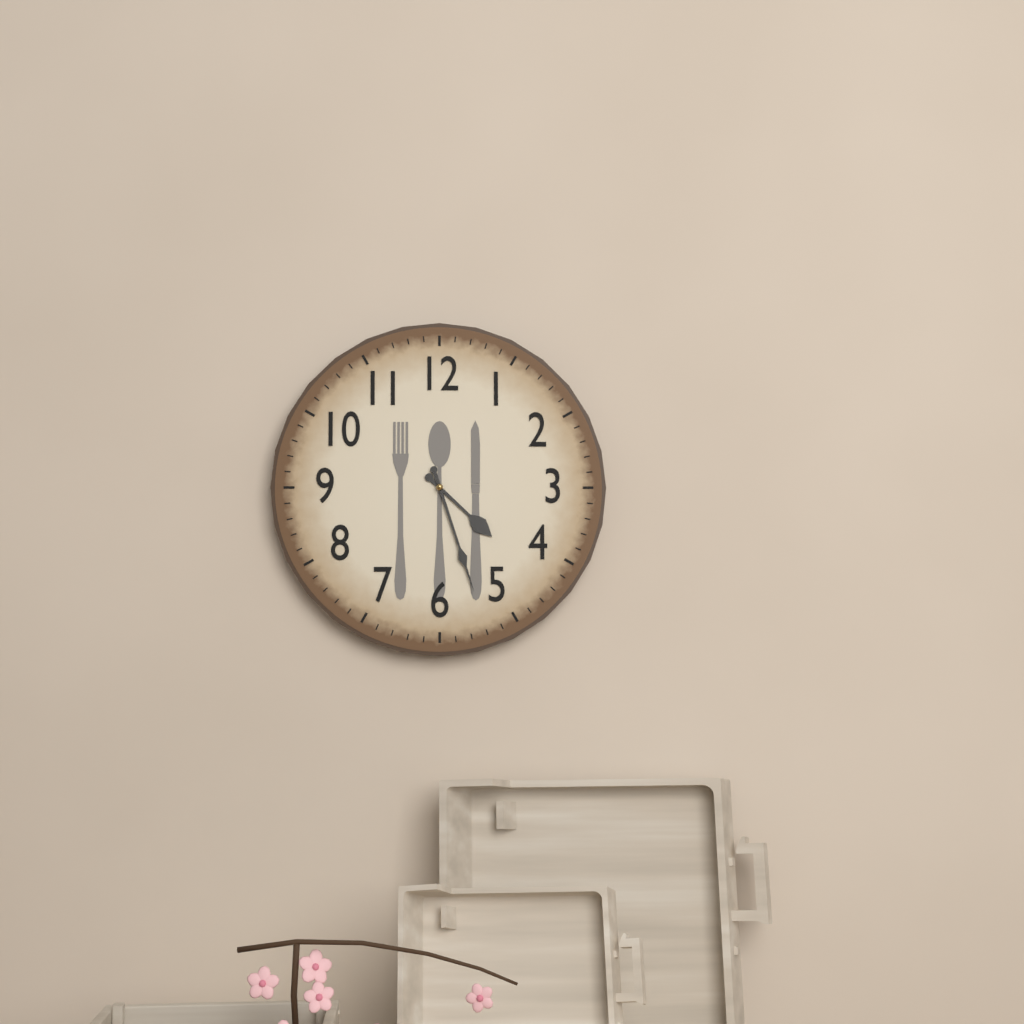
4.27
